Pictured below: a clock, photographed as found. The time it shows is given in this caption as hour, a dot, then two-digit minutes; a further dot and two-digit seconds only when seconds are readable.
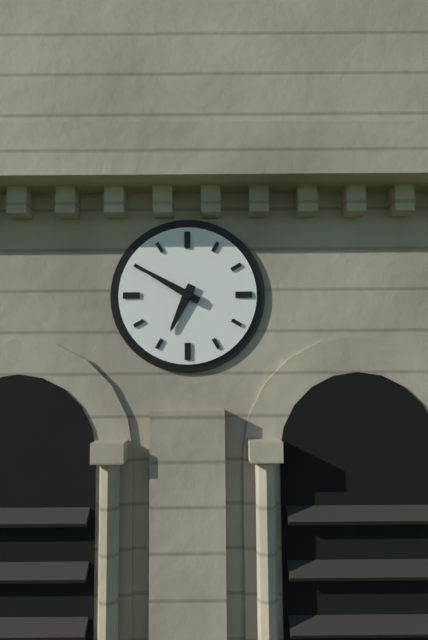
6.50
